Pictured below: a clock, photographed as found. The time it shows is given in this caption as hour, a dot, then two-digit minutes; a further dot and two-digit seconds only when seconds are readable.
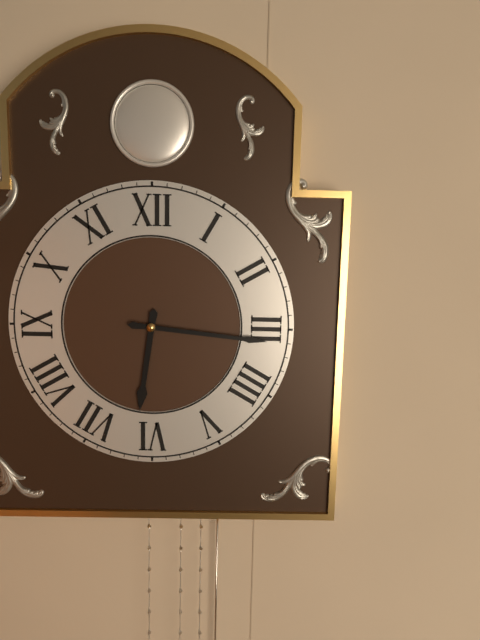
6.16
